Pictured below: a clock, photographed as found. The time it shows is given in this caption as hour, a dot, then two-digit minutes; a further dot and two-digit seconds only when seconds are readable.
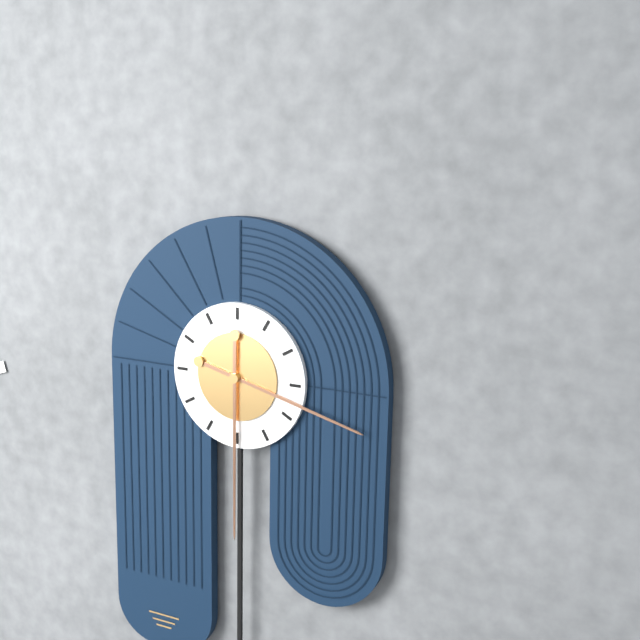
3.30
